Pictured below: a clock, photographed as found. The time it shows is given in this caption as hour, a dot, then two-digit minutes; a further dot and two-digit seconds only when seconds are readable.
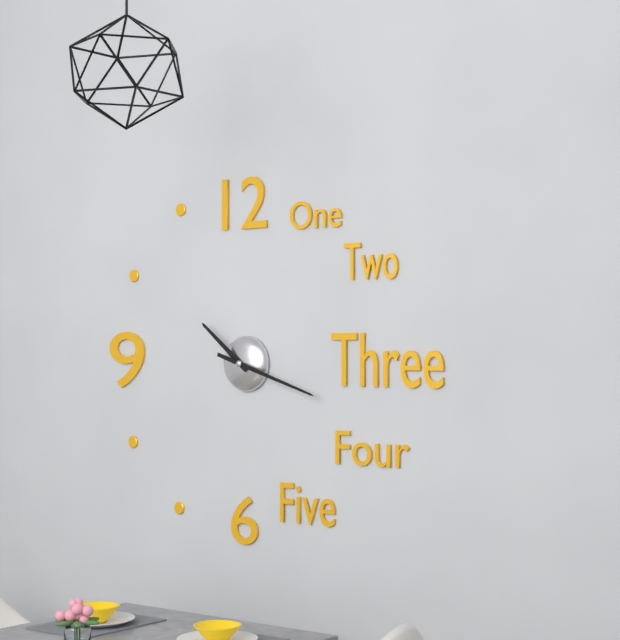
10.18
